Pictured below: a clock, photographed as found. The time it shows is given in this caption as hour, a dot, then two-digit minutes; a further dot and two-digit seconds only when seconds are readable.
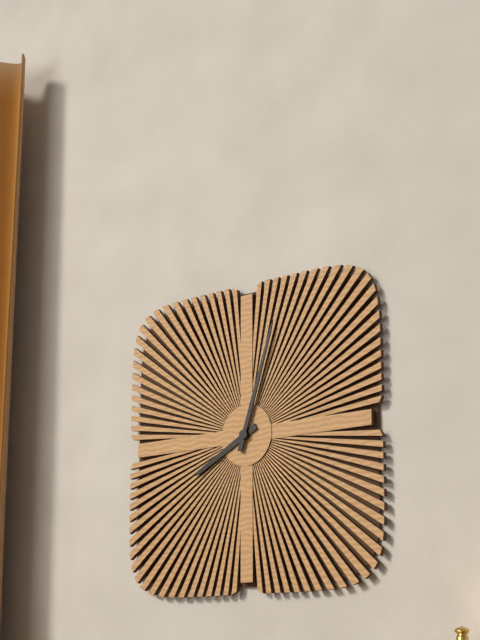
8.03
